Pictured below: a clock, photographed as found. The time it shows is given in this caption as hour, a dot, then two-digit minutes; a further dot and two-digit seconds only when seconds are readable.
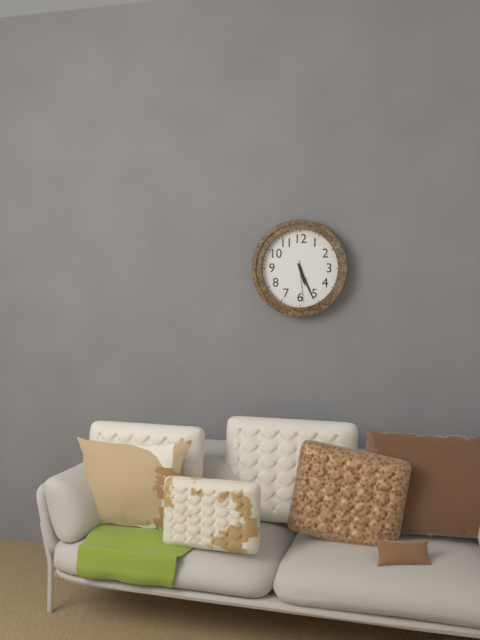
5.26
